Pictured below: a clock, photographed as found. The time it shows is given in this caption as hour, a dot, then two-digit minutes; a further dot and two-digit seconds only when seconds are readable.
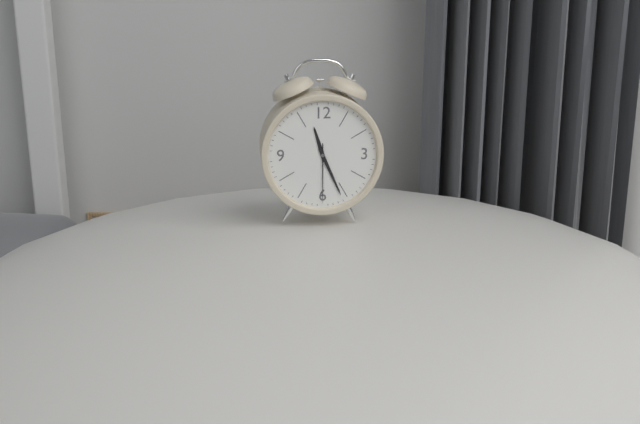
11.26.30
